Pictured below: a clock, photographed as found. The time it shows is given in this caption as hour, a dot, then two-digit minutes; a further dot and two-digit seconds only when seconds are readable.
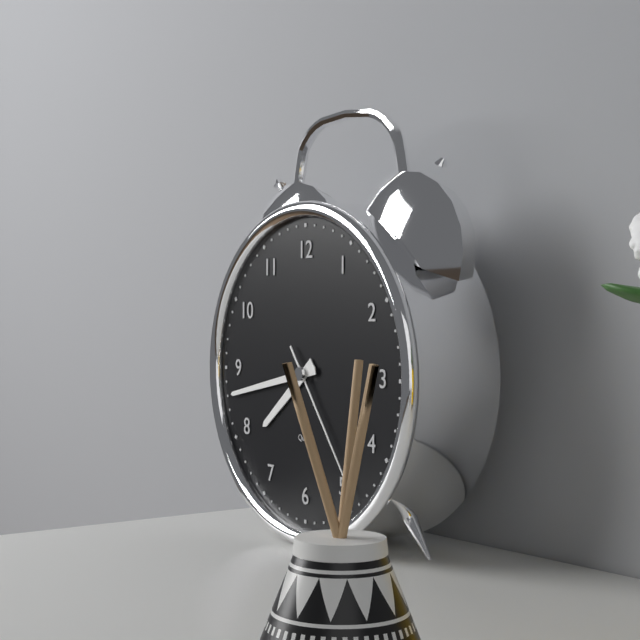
7.43.24
